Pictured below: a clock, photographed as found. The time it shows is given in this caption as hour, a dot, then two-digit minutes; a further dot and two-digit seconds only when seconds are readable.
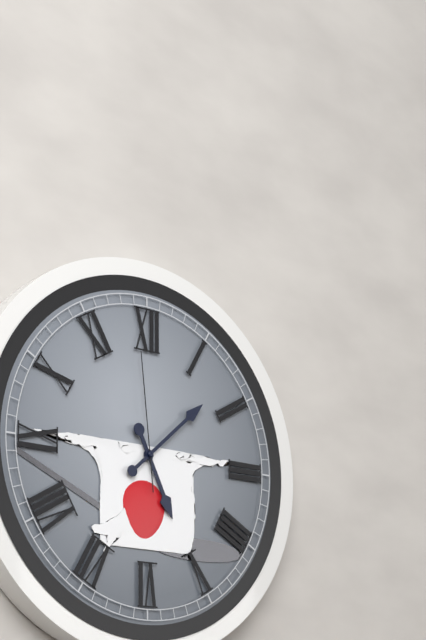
5.08.59
